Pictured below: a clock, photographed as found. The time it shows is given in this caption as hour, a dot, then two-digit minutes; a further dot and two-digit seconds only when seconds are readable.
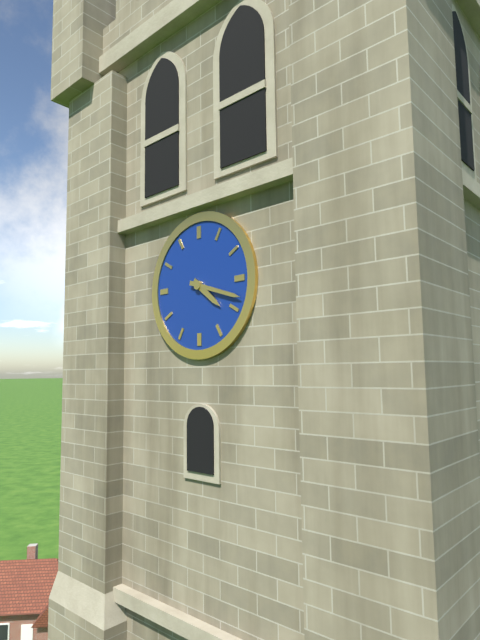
4.18
